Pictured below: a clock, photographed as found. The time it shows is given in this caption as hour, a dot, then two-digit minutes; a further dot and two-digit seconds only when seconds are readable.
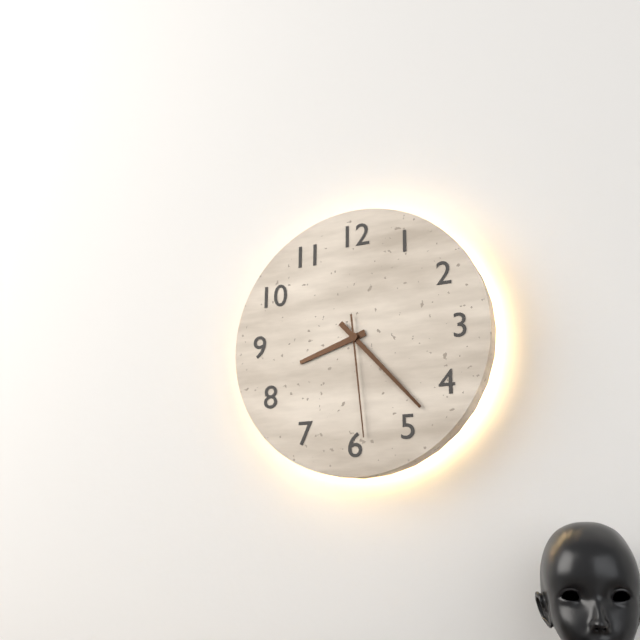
8.23.29
